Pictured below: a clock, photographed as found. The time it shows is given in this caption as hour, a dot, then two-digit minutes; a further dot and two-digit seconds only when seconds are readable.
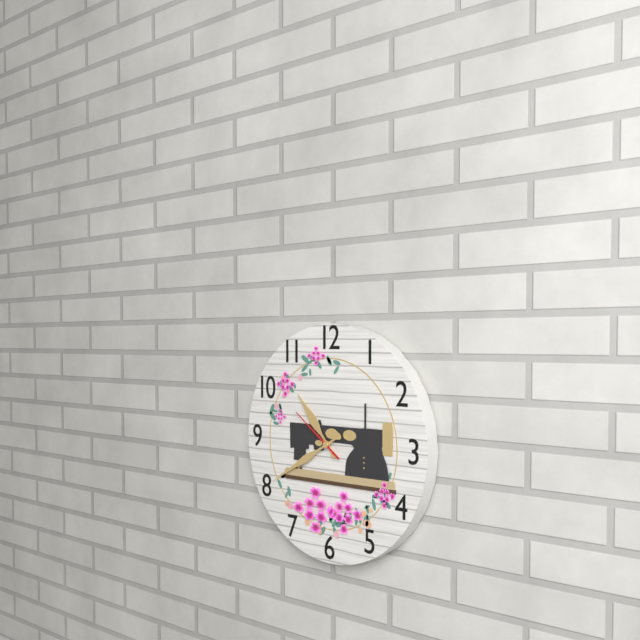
10.40.51
